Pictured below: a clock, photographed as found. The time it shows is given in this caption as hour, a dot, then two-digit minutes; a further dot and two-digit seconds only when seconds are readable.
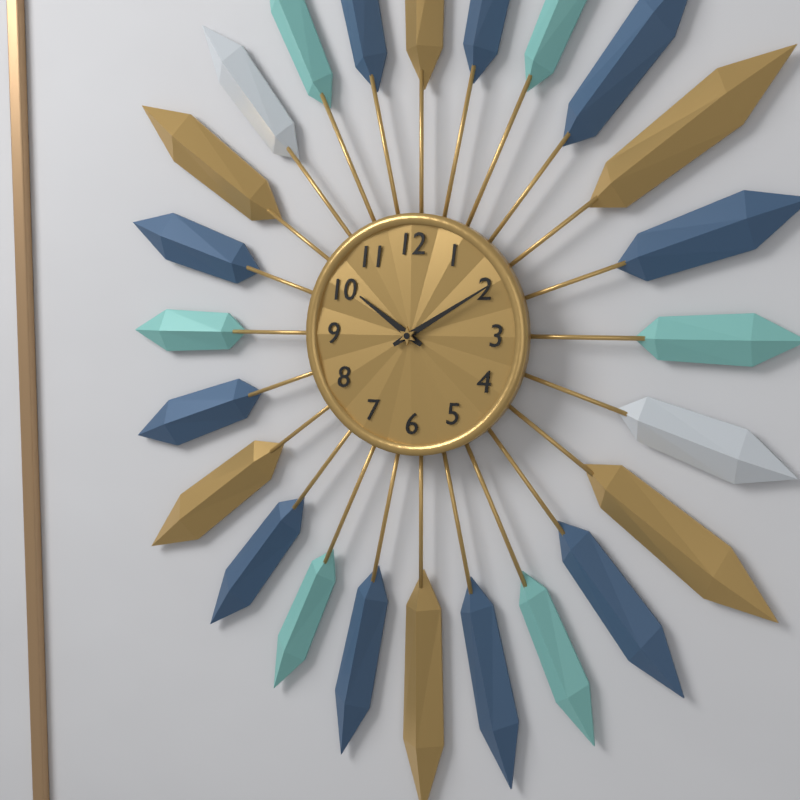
10.10
